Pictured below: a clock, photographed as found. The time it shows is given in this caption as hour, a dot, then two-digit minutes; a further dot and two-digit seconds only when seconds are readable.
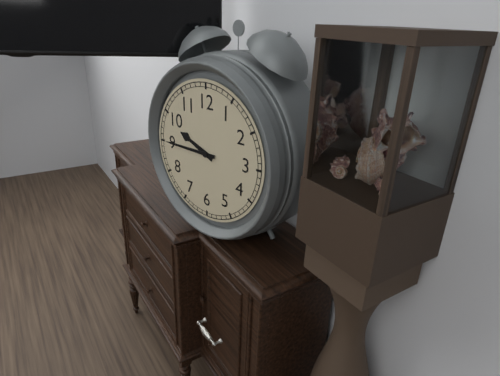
9.45
